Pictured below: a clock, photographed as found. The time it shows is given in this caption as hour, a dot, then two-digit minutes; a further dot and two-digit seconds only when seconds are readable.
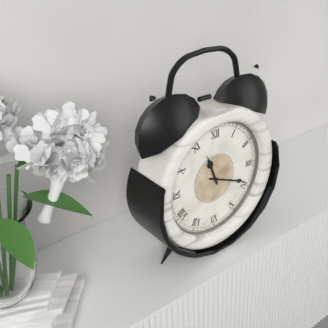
11.19
